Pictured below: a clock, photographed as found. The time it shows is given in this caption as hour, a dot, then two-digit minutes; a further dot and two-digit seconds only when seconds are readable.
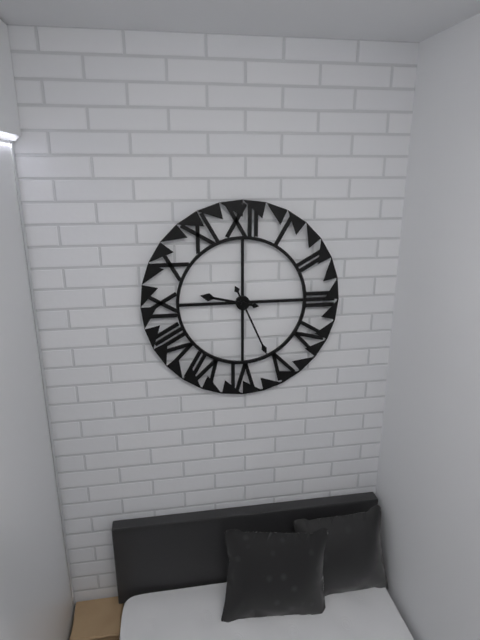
9.26
